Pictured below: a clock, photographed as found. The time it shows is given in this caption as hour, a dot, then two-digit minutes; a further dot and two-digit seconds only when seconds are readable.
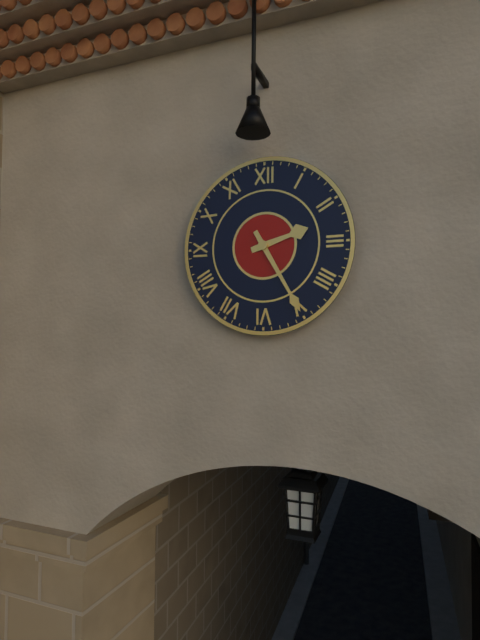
2.25
